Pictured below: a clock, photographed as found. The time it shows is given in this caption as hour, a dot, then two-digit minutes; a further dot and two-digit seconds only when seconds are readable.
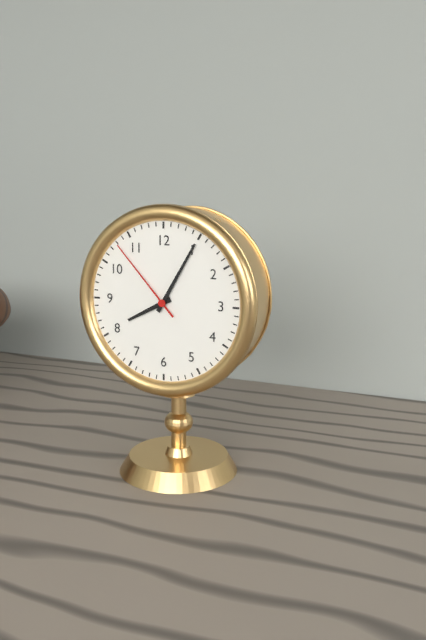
8.05.53
